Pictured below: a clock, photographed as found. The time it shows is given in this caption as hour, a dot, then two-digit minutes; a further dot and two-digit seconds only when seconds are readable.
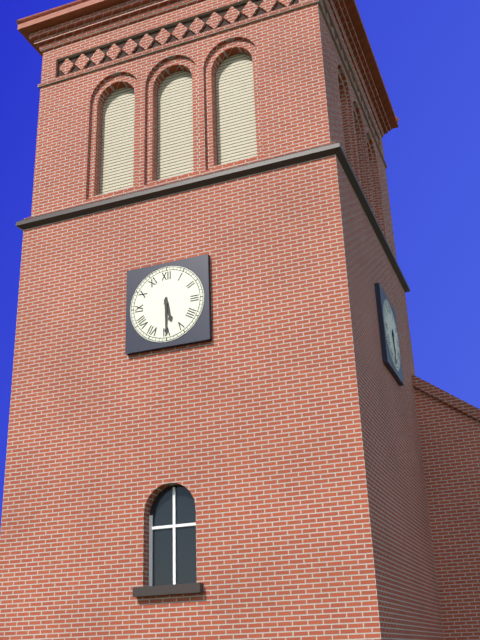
5.30
